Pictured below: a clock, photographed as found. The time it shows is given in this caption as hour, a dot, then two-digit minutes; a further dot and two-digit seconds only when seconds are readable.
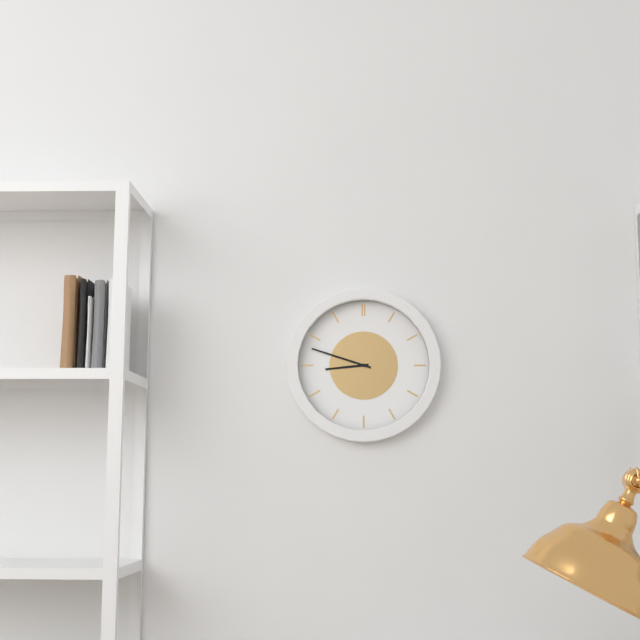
8.48
